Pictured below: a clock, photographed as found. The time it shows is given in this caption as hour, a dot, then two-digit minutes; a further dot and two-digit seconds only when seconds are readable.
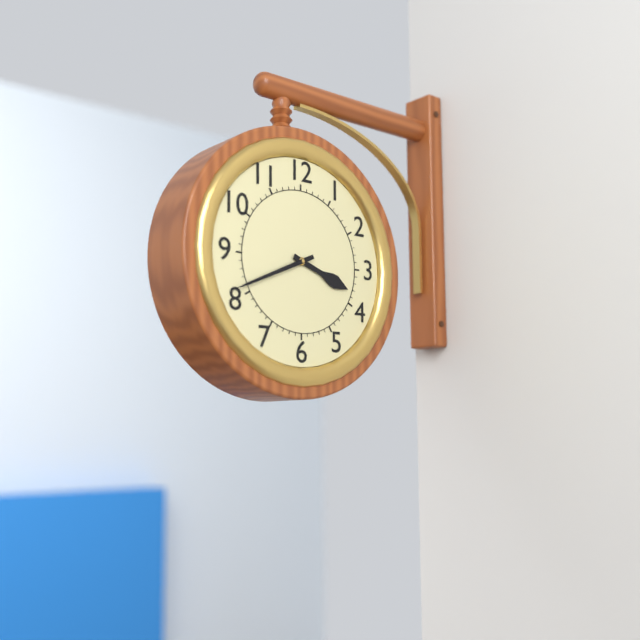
3.41
